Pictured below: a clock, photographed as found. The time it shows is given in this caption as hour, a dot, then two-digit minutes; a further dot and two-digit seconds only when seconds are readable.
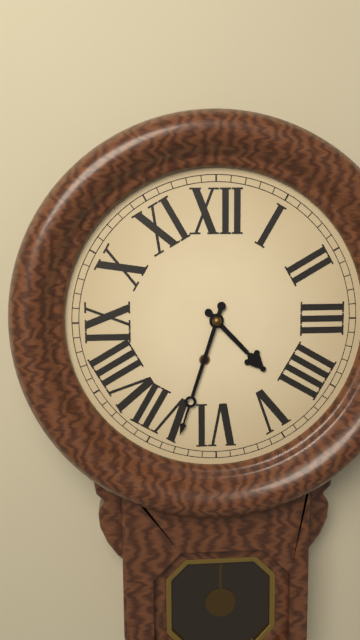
4.33
